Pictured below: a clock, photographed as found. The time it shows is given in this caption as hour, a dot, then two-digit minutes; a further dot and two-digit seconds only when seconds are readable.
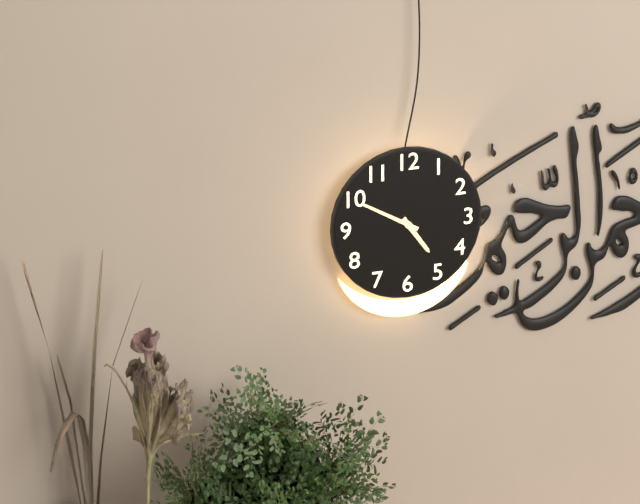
4.50
